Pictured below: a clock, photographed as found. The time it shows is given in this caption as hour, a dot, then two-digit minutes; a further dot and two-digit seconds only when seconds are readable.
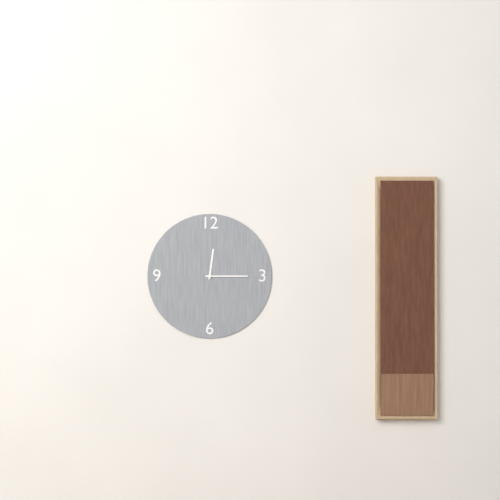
12.15
